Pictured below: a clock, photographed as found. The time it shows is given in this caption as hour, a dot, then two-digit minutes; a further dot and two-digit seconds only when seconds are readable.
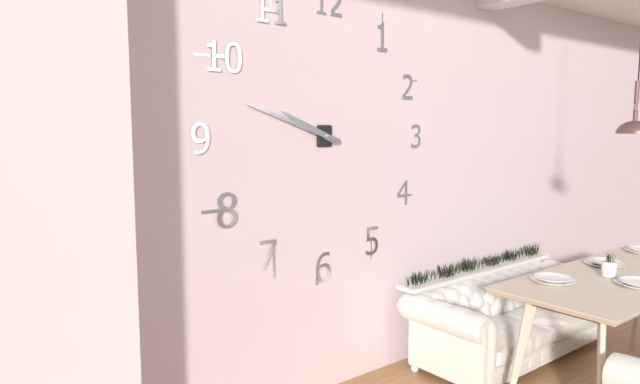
9.48
